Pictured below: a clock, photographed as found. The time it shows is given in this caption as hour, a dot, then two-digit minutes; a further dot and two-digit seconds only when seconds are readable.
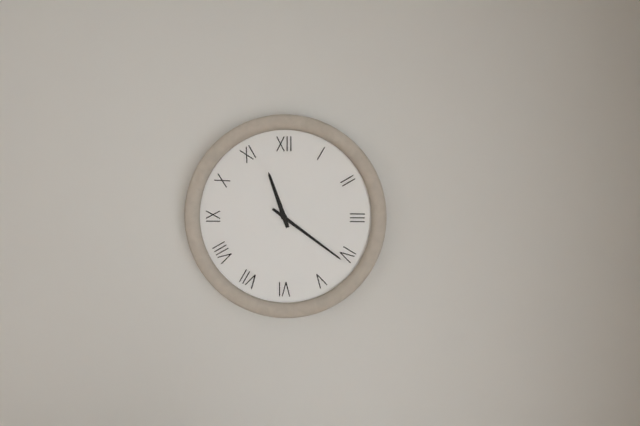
11.21
